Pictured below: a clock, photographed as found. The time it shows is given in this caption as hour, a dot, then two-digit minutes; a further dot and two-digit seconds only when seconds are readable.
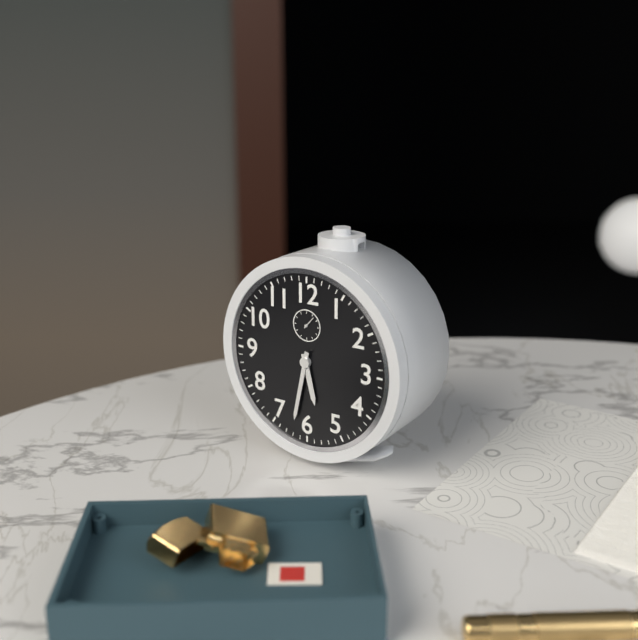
5.32
